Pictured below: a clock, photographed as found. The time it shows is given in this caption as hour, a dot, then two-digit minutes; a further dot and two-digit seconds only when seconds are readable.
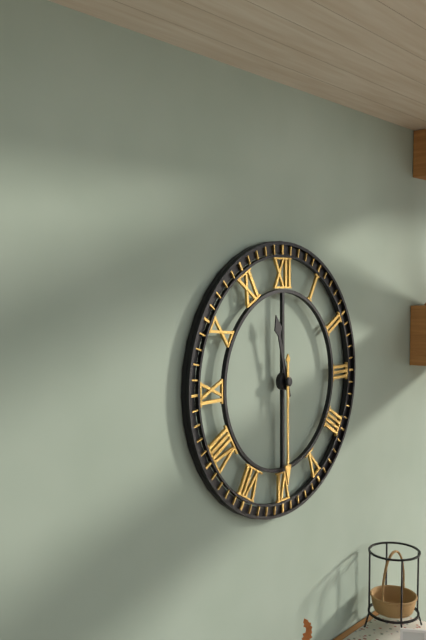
11.30
